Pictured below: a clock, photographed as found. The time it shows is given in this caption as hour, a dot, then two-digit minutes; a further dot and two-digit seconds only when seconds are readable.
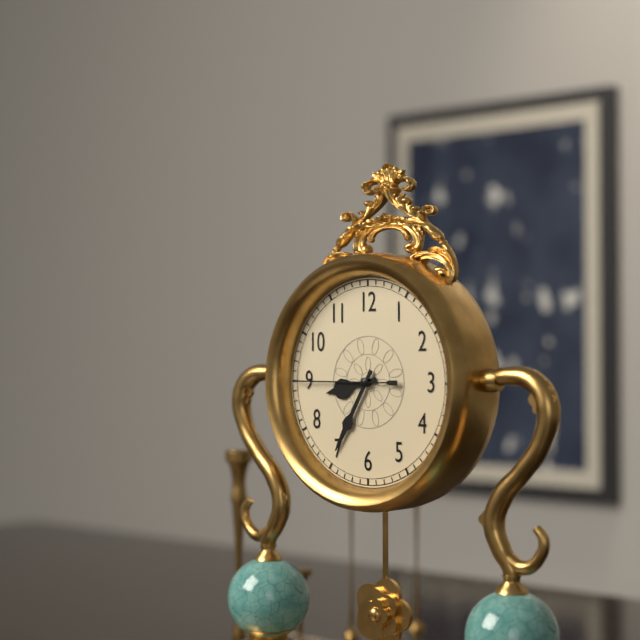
8.35.45
